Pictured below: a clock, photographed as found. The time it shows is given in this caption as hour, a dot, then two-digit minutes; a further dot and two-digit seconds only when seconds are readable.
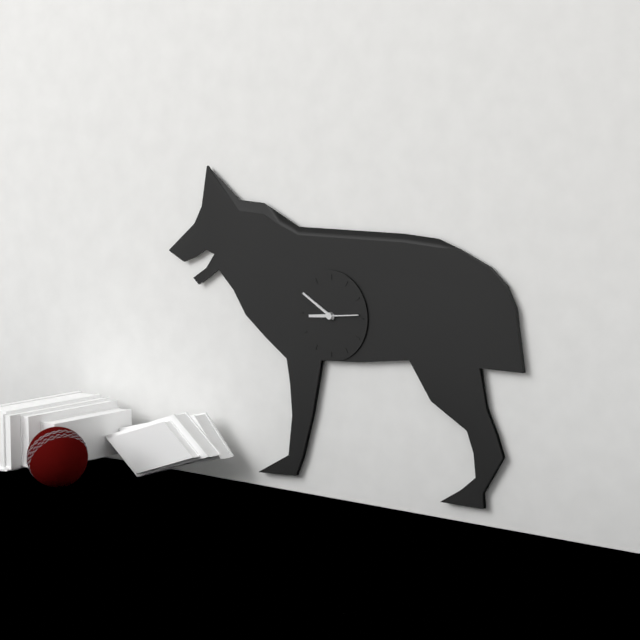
8.50
